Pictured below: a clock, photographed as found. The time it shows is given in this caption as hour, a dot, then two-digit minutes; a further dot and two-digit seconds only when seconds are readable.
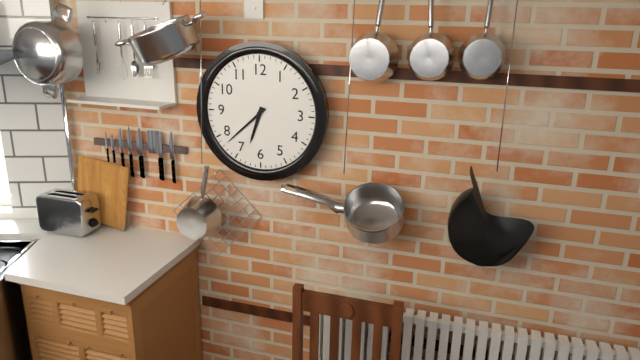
6.38
